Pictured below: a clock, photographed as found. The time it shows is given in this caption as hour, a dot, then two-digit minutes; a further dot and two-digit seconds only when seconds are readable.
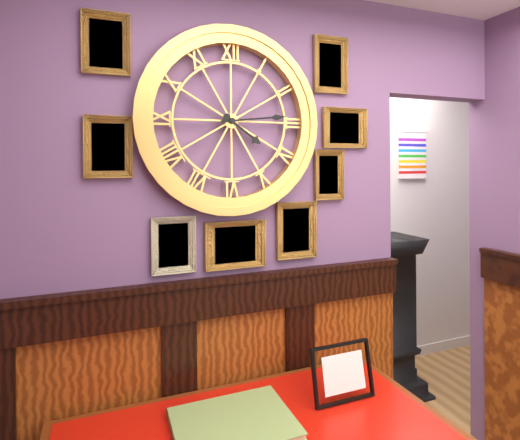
4.14
